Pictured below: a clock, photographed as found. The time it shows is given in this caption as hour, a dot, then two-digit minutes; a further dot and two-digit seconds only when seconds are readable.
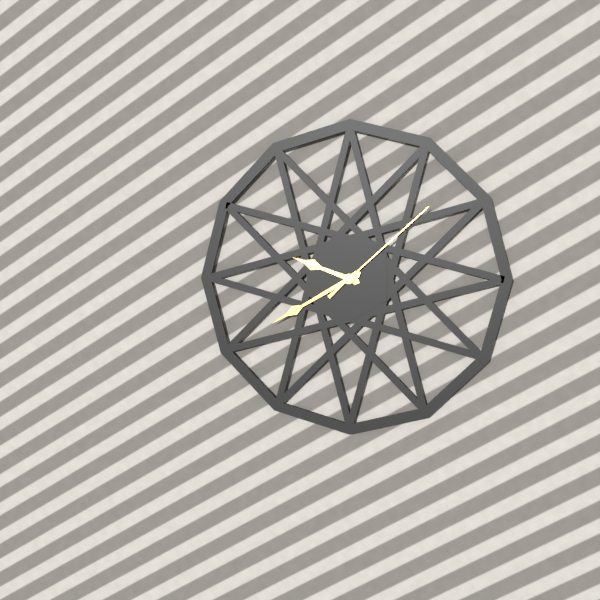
9.40.08
